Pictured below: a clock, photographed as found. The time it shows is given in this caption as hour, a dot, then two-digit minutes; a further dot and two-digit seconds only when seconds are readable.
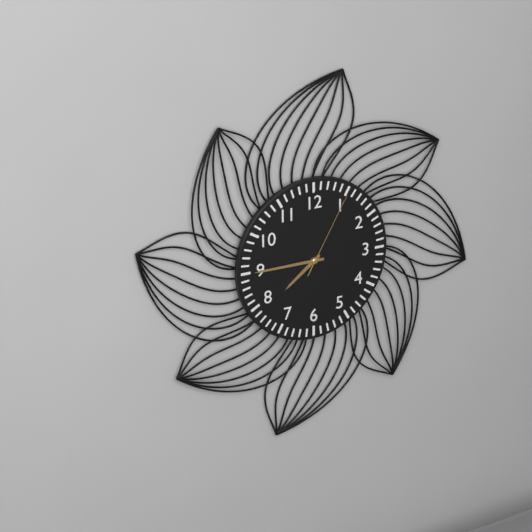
7.45.05
